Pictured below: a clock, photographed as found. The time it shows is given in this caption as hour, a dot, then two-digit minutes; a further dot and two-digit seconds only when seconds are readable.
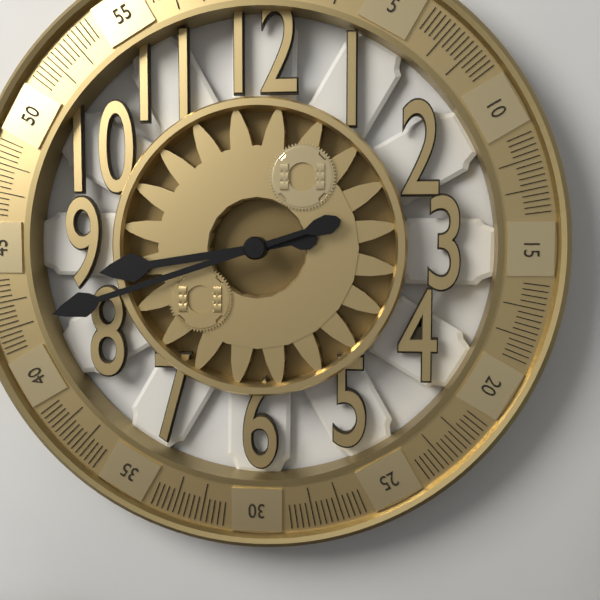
8.42
